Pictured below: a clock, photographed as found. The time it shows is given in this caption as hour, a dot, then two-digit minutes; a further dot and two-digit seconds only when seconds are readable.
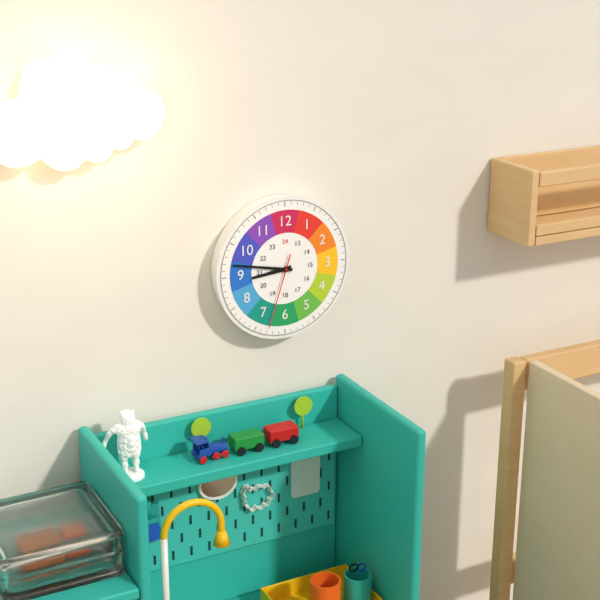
8.47.33
